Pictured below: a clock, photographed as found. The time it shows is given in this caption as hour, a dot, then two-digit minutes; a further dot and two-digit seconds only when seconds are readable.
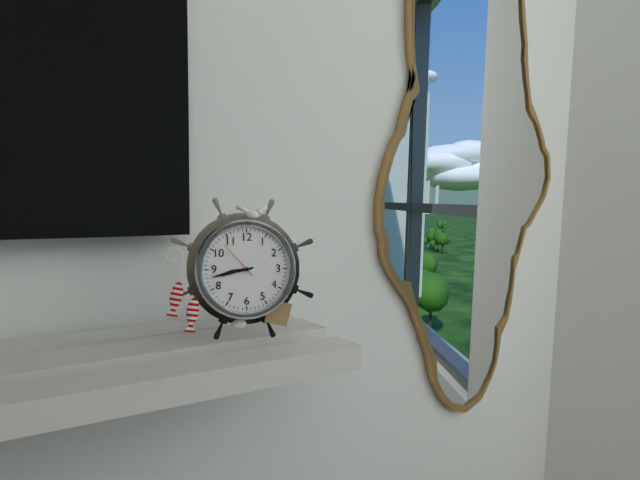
8.43
